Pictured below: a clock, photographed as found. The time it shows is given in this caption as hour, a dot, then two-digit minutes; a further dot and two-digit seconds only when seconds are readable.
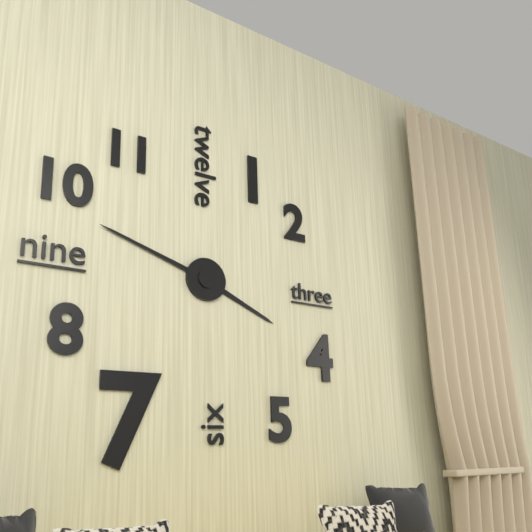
3.48
